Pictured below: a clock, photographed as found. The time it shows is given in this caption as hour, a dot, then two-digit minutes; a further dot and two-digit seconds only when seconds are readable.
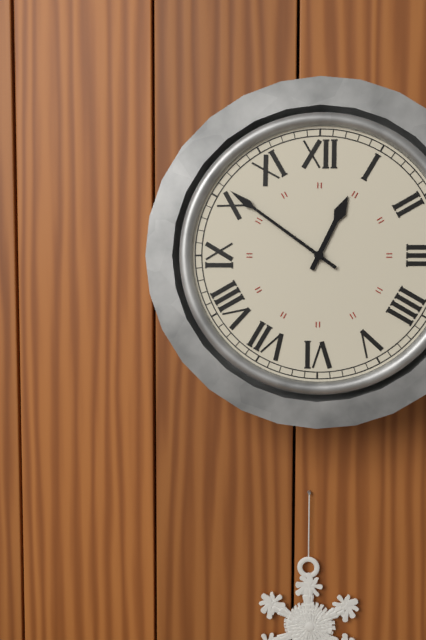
12.51
